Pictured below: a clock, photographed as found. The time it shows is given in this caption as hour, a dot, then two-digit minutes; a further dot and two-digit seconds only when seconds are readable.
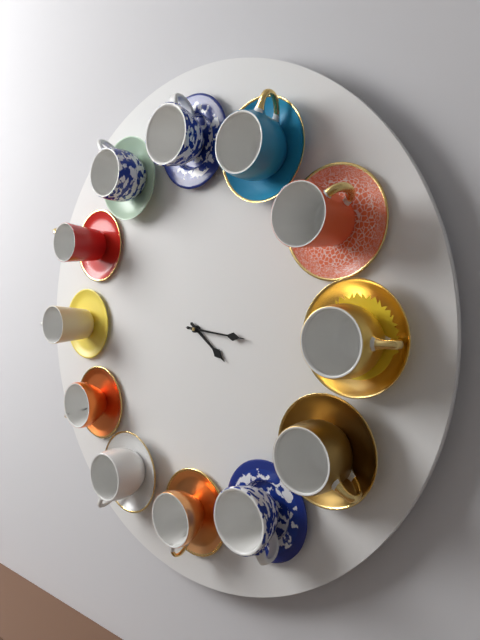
4.16
